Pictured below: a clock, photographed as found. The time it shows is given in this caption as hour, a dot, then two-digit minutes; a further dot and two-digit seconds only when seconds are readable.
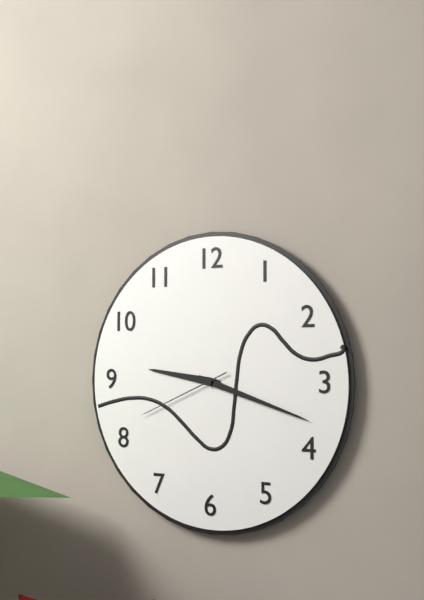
9.18.41
